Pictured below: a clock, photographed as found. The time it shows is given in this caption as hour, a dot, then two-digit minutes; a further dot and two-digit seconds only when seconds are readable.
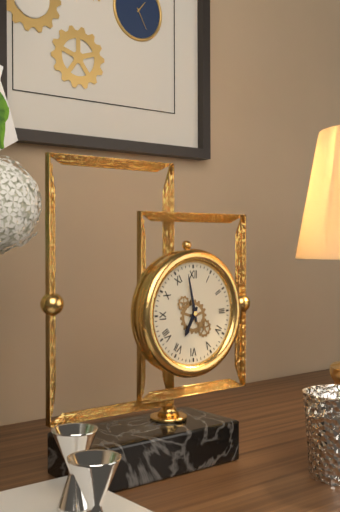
6.58
